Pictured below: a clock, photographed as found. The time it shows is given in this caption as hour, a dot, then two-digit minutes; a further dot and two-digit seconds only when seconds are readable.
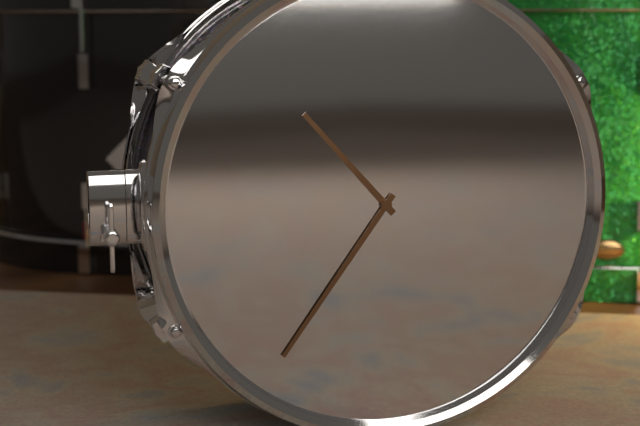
10.36
